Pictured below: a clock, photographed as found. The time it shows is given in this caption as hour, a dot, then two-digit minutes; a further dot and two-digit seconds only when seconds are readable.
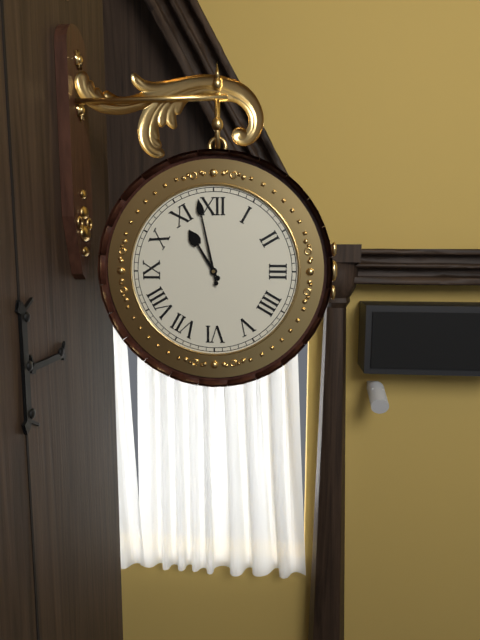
10.58
